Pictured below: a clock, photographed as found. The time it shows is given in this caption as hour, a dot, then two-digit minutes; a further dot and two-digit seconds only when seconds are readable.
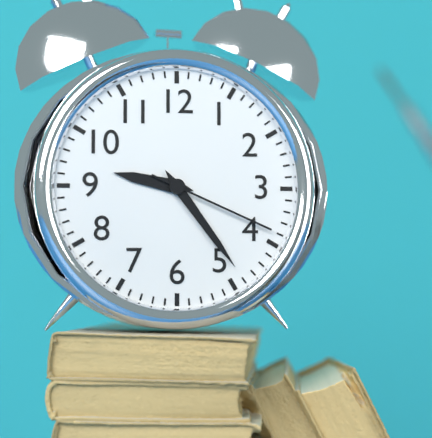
9.24.19
